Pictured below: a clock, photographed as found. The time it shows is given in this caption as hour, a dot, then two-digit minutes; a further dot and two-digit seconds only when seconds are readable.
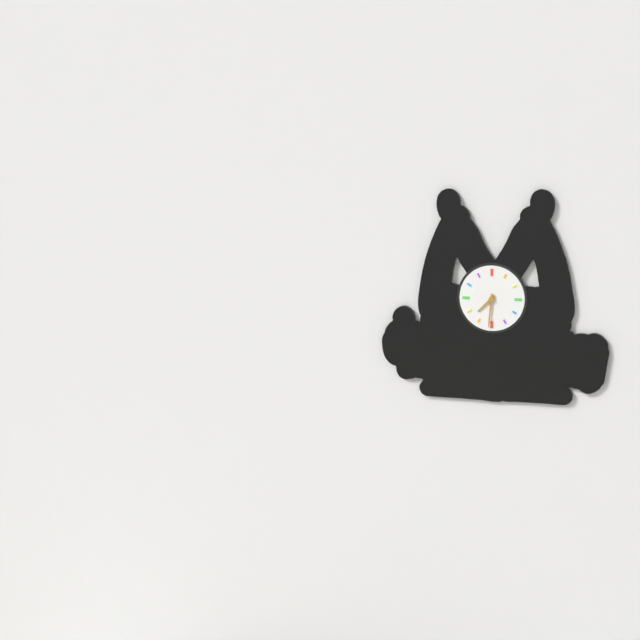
7.31
